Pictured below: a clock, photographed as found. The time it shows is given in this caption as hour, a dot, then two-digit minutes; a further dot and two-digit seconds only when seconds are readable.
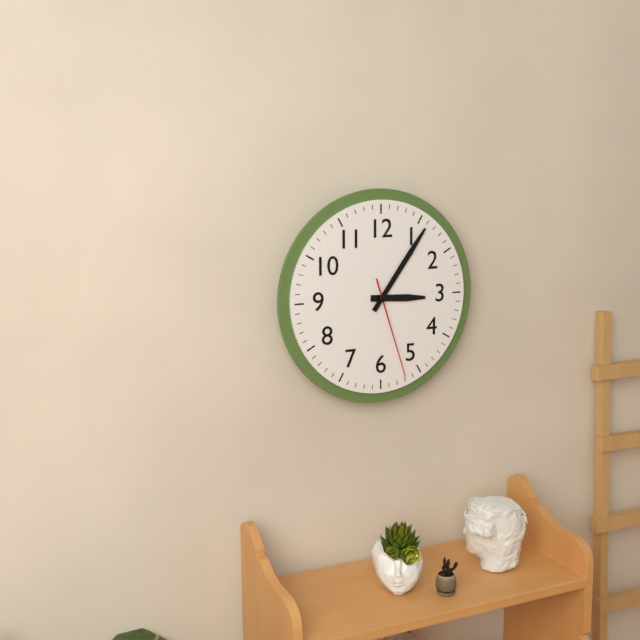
3.06.27
